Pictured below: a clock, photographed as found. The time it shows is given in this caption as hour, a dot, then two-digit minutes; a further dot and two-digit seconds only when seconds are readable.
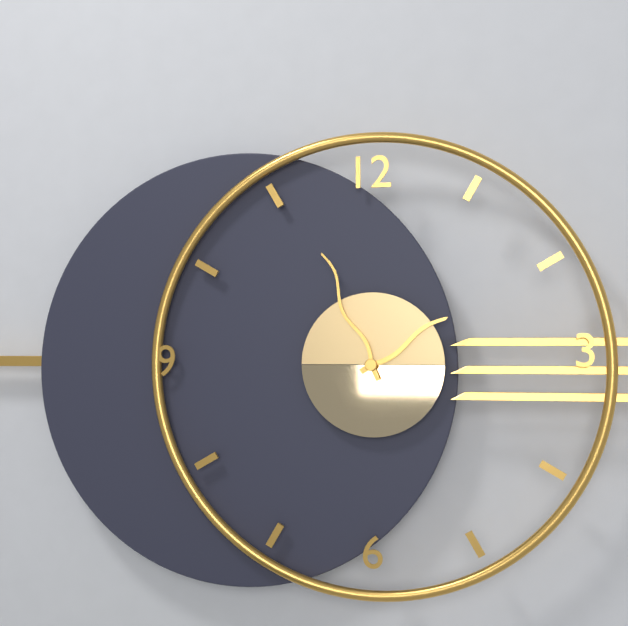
1.56
